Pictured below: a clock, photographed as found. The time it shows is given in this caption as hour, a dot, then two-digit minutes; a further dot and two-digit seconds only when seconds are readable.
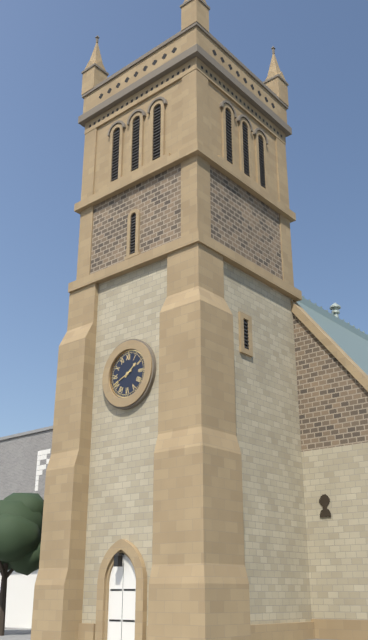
1.41
